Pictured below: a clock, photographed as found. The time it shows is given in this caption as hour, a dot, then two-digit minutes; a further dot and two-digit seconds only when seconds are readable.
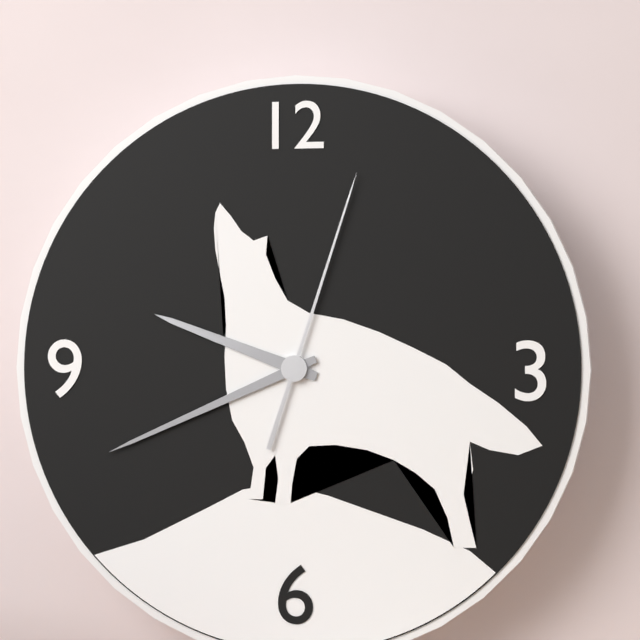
9.41.03
